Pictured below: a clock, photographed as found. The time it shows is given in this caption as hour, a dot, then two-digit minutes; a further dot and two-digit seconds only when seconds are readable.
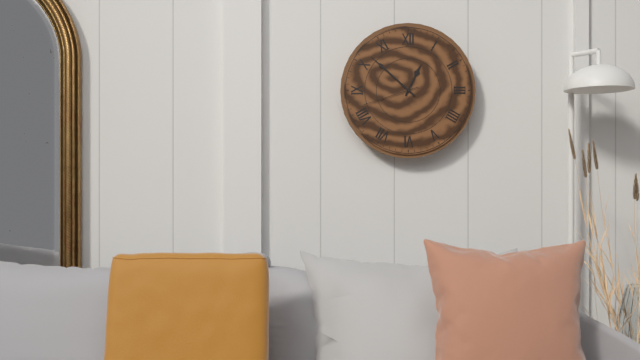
12.52.42
